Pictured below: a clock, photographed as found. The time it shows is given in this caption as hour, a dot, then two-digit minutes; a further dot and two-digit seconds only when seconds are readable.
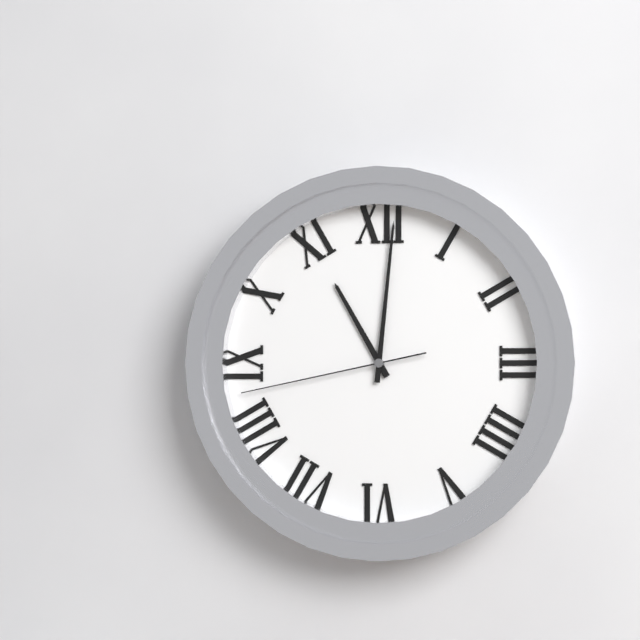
11.01.43
